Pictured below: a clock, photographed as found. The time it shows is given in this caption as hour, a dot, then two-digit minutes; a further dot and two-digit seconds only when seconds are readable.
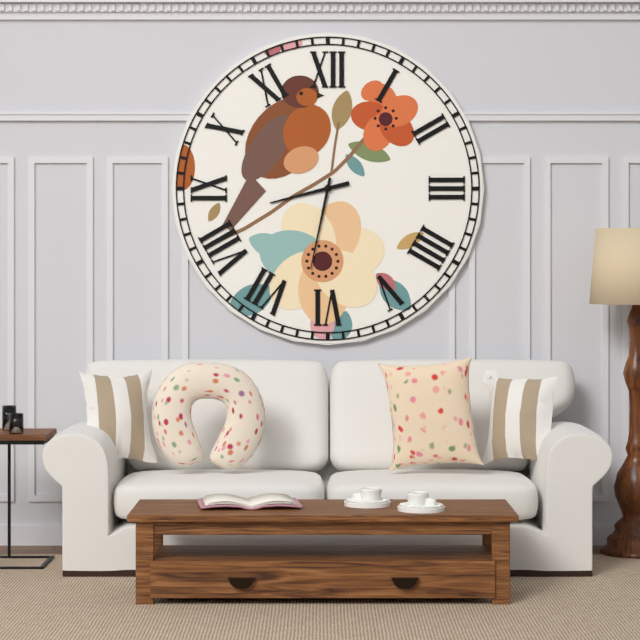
8.32
